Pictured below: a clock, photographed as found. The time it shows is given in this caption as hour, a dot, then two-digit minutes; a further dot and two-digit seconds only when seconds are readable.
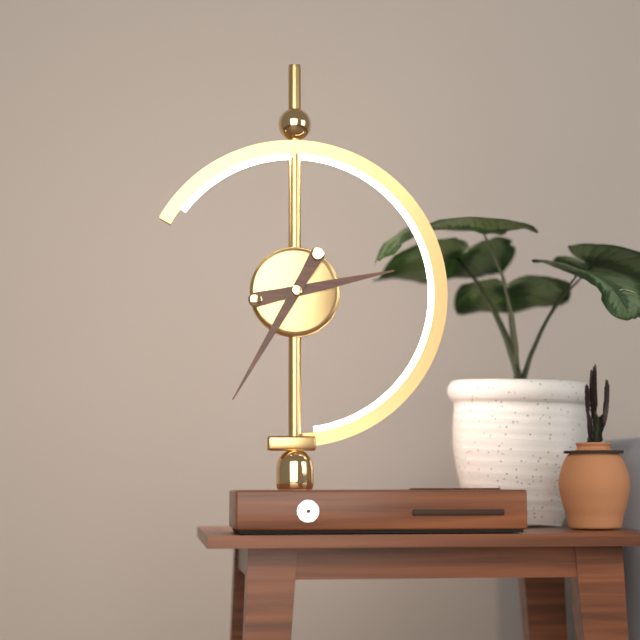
2.35
